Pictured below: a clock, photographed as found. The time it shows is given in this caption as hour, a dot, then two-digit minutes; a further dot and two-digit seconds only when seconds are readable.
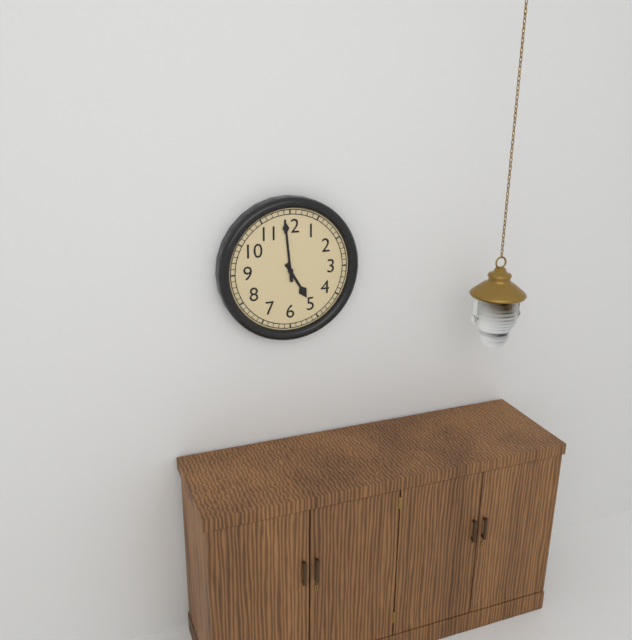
4.59
